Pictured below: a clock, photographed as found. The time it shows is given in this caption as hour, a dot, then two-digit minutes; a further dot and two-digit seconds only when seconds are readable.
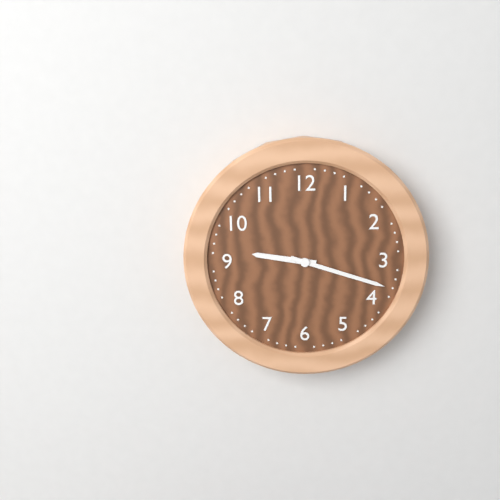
9.18
